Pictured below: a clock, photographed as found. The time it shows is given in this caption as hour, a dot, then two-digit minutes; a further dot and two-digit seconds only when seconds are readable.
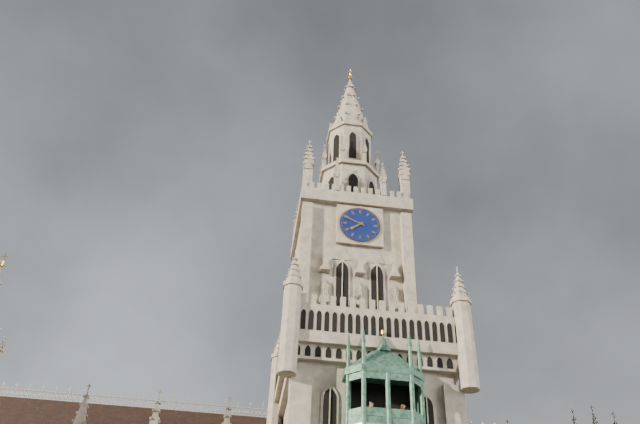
7.49
